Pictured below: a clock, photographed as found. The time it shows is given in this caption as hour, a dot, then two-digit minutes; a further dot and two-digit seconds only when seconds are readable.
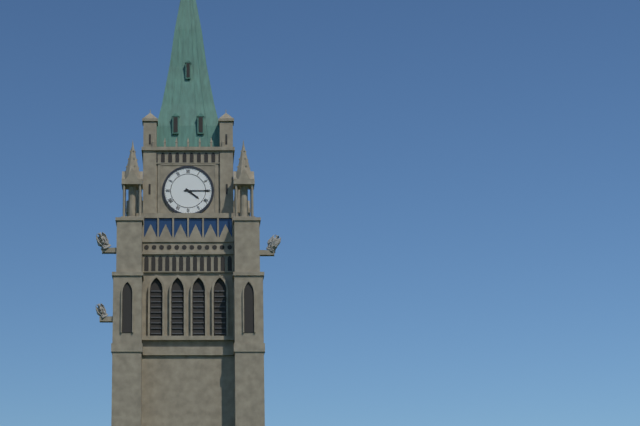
4.15
